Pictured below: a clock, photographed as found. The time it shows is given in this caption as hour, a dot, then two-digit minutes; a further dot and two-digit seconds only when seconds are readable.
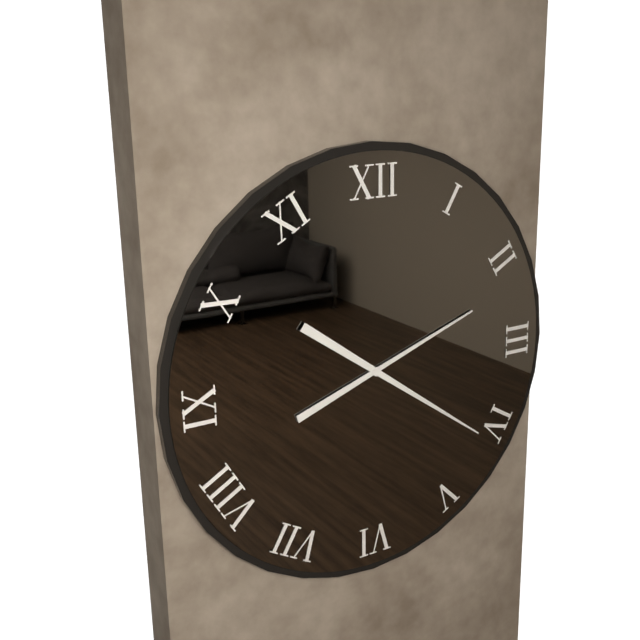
2.21
